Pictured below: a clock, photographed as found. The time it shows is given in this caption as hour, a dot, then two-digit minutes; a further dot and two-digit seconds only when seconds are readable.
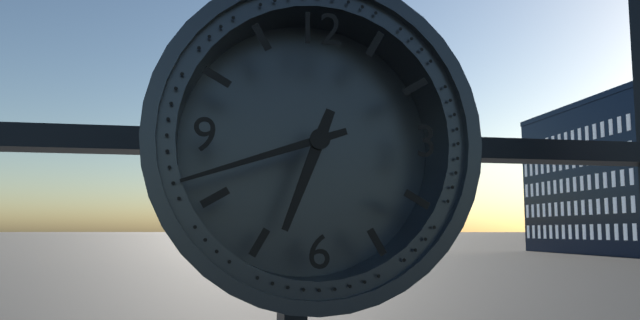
6.42
